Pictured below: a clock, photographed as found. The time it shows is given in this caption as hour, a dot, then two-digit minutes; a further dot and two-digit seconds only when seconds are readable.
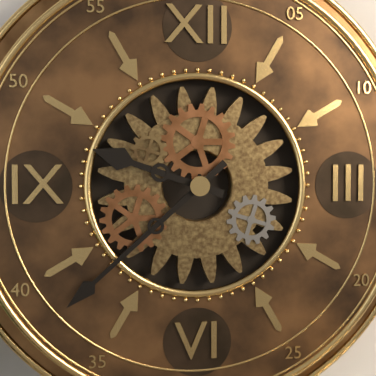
9.38
